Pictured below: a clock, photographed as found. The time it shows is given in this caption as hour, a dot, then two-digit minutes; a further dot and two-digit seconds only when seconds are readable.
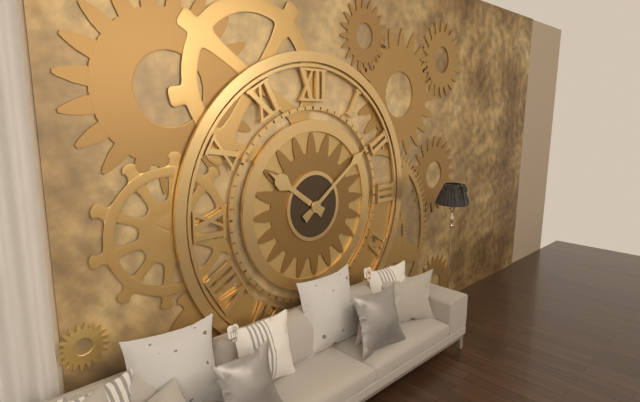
10.09
